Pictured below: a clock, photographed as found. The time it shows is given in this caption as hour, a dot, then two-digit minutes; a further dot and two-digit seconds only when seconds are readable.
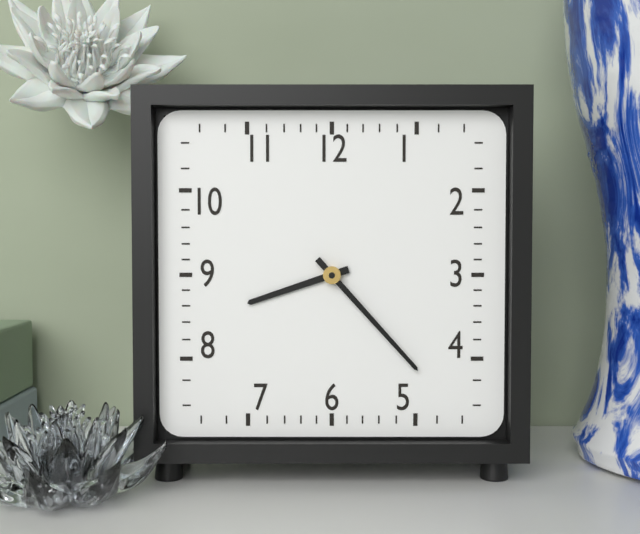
8.23
